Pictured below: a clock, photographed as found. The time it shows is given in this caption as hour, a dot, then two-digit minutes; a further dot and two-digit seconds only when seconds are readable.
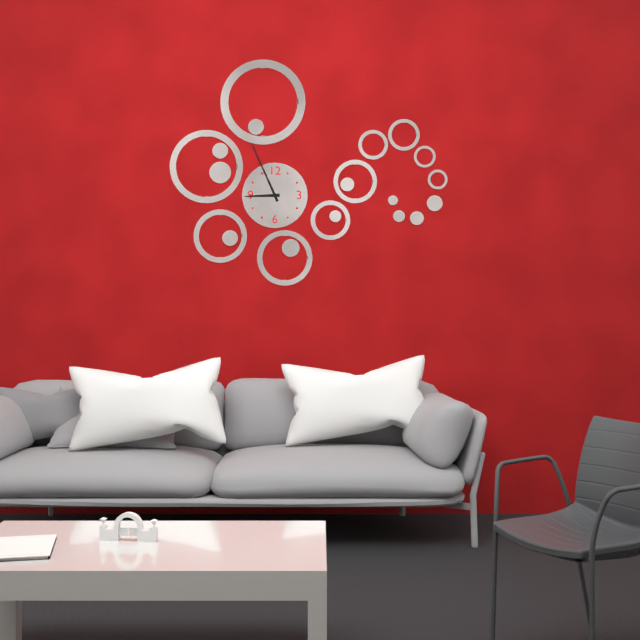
8.56
